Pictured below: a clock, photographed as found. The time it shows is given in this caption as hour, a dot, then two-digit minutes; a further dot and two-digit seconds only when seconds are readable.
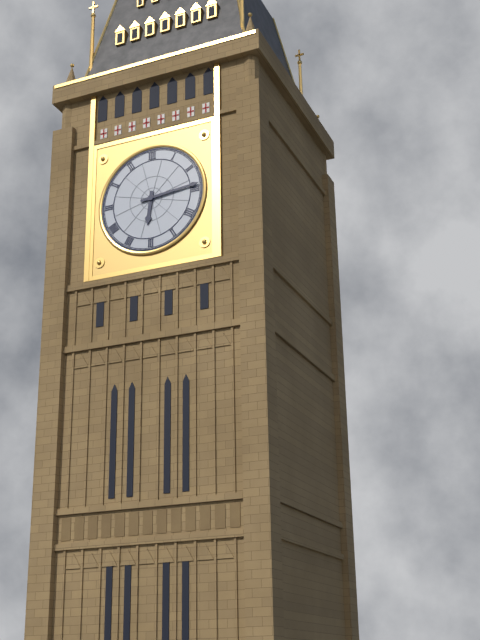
6.14
